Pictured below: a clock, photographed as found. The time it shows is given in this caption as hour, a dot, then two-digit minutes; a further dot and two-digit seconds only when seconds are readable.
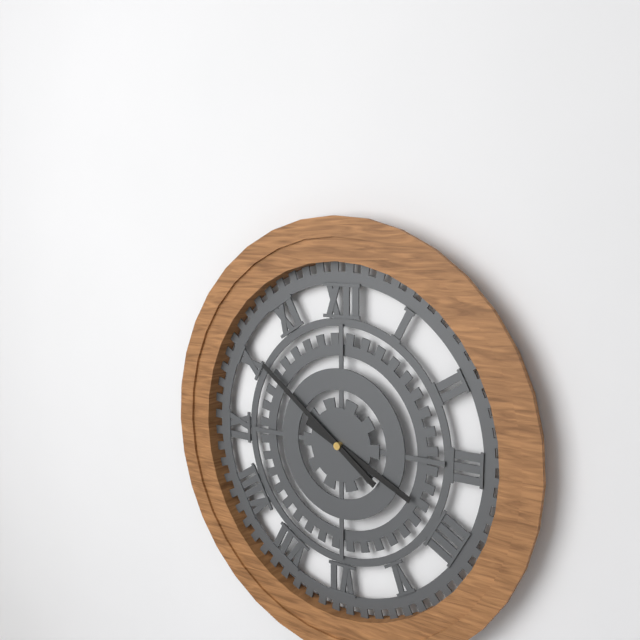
3.51
